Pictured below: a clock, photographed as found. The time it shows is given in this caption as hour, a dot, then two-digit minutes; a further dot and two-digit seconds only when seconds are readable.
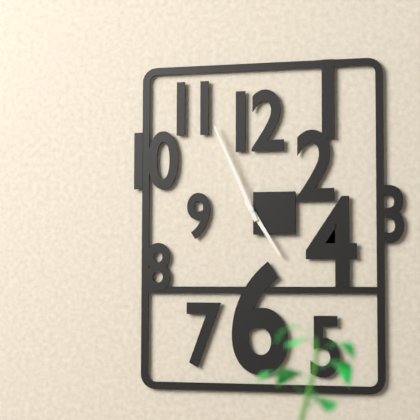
4.56
